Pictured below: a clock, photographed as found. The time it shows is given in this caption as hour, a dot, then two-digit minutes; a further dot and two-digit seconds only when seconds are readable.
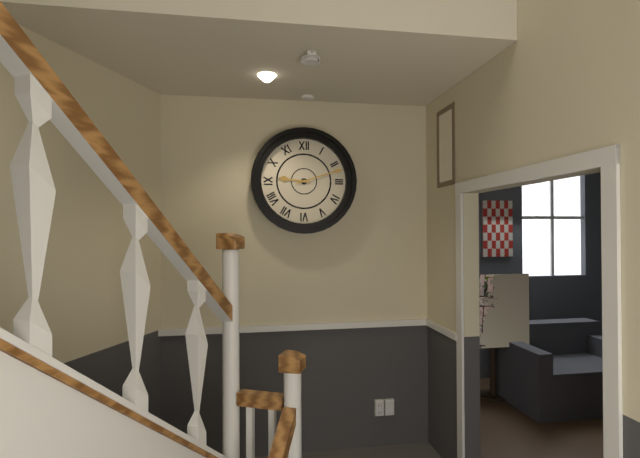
9.12
